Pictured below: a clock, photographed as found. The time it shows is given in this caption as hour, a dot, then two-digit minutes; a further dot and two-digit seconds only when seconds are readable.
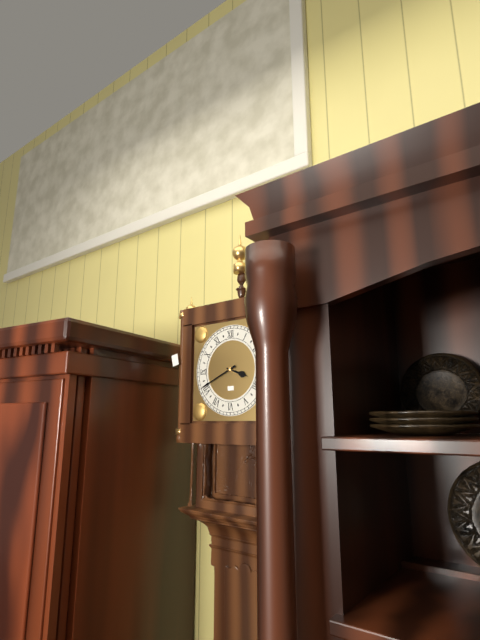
3.41
